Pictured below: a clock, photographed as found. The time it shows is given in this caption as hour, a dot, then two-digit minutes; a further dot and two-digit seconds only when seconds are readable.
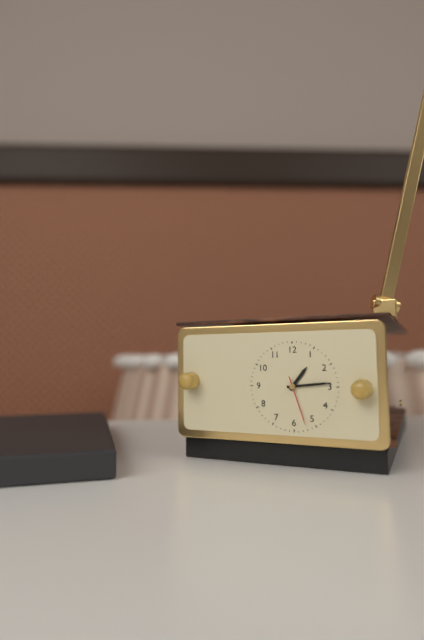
1.14.27
